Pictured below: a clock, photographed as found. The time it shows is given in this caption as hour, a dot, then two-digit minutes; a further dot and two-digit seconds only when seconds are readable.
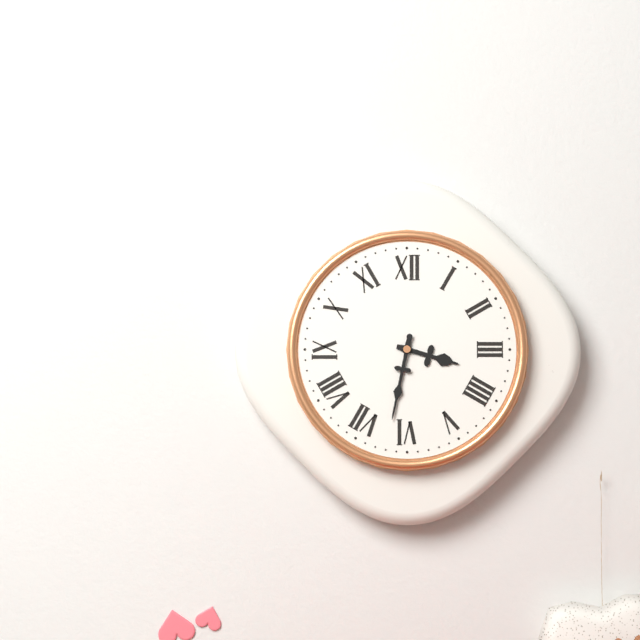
3.32
